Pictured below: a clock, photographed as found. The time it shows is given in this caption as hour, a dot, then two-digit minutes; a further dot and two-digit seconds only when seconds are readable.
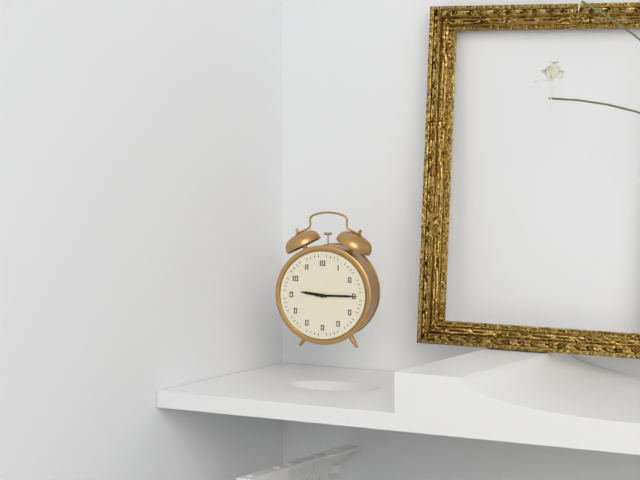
9.15
